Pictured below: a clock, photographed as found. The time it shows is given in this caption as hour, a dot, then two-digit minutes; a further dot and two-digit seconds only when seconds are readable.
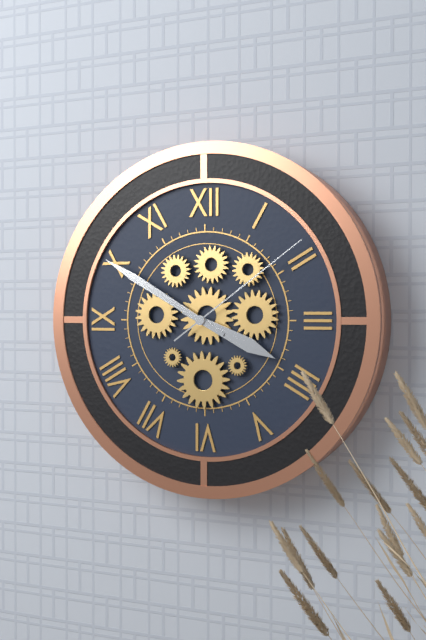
3.50.09
